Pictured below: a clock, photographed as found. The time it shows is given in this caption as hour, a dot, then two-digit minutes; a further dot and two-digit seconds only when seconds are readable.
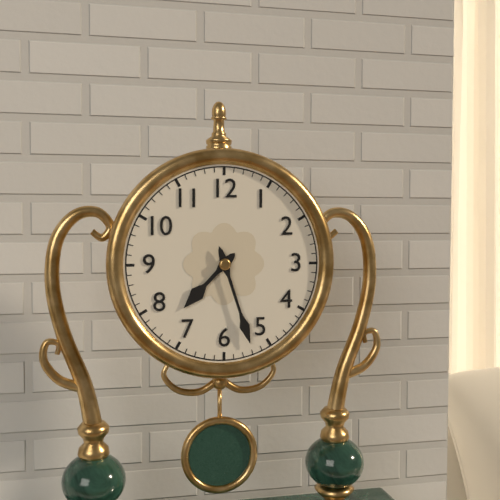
7.27
